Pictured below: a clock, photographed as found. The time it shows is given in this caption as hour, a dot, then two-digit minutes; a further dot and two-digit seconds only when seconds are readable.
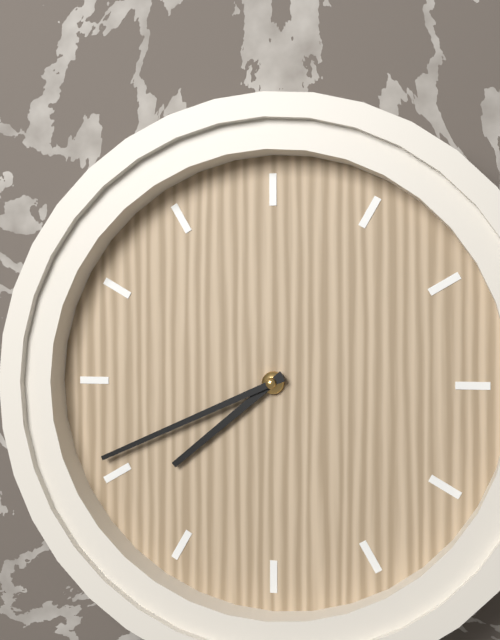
7.41
